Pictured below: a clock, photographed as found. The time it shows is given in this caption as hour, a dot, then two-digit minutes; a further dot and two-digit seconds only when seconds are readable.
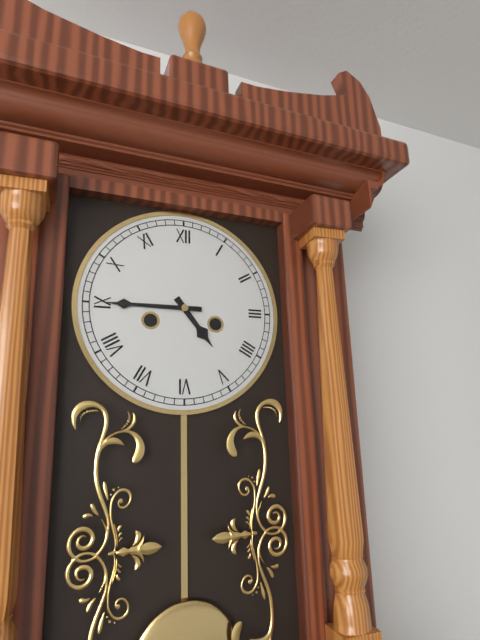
4.45
